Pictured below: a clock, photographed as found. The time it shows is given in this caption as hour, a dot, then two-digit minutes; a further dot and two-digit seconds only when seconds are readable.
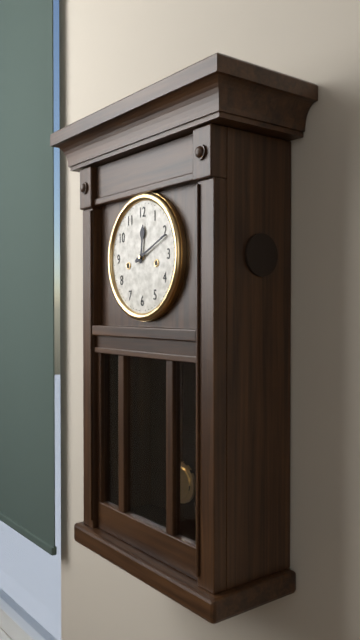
12.11
